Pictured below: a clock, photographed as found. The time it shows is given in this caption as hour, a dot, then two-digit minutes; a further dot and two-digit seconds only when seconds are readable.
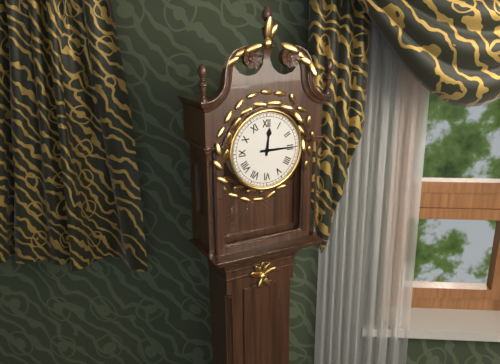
12.15
